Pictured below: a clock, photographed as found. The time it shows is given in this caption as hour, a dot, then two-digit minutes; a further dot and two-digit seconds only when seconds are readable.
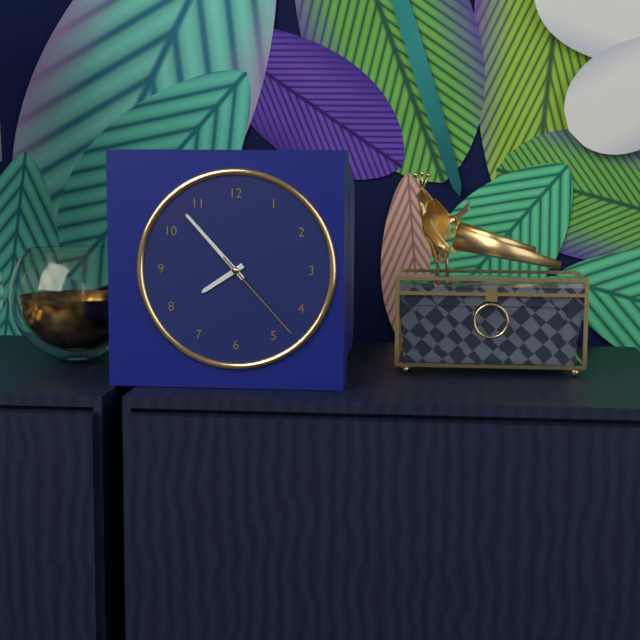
7.53.23
